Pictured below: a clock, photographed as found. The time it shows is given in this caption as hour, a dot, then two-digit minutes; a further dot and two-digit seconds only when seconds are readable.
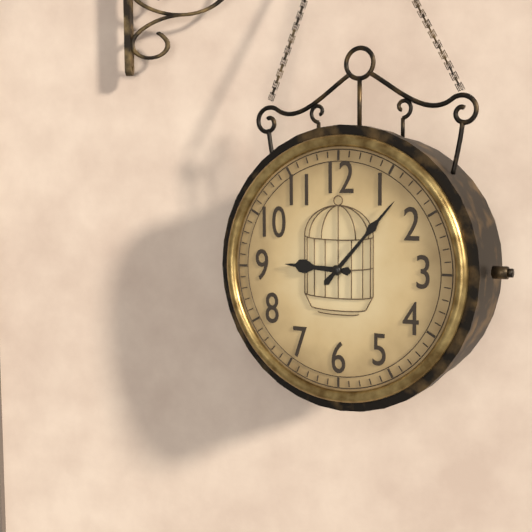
9.07
